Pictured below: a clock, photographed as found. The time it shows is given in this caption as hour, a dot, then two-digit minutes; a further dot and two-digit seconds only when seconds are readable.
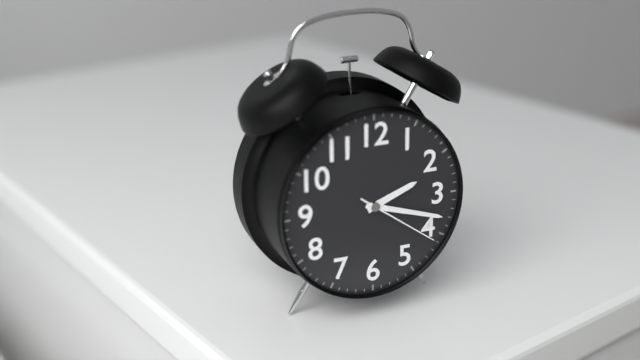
2.18.21
